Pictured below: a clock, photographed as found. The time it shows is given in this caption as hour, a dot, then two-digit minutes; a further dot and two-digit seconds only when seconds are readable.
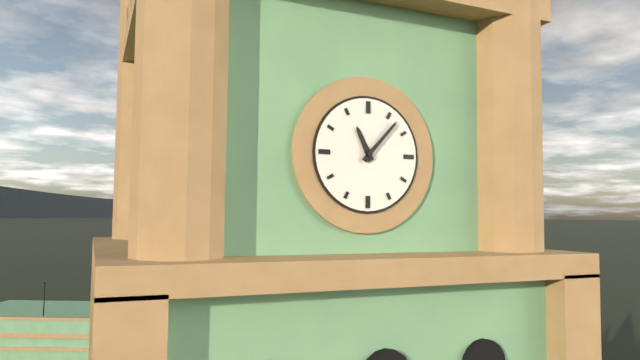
11.07
